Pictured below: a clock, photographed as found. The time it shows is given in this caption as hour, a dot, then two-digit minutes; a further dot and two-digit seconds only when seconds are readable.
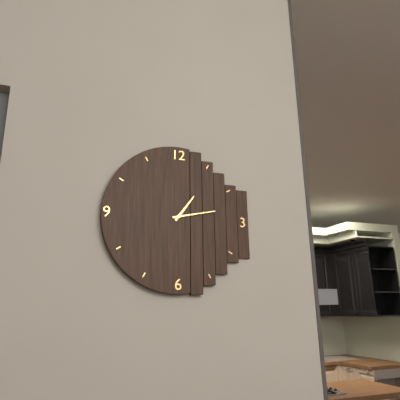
1.13
